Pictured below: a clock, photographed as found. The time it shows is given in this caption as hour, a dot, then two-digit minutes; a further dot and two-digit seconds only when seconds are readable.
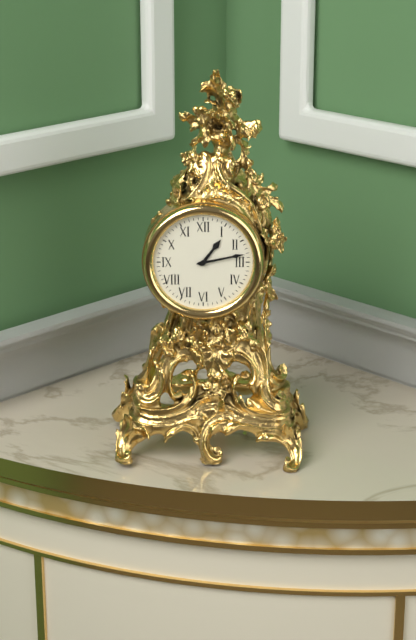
1.13
